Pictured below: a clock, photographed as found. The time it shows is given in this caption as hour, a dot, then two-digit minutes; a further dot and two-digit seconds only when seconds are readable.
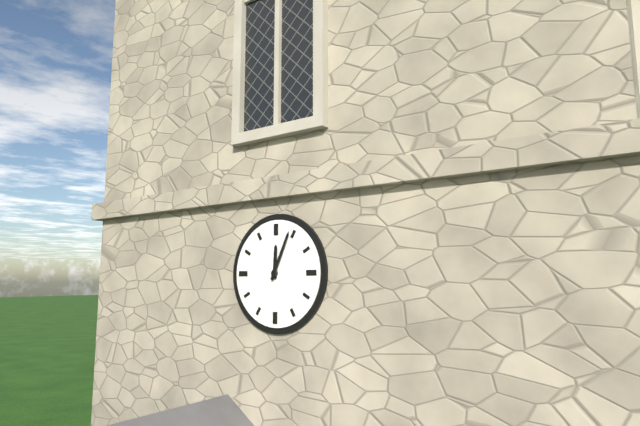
12.04
